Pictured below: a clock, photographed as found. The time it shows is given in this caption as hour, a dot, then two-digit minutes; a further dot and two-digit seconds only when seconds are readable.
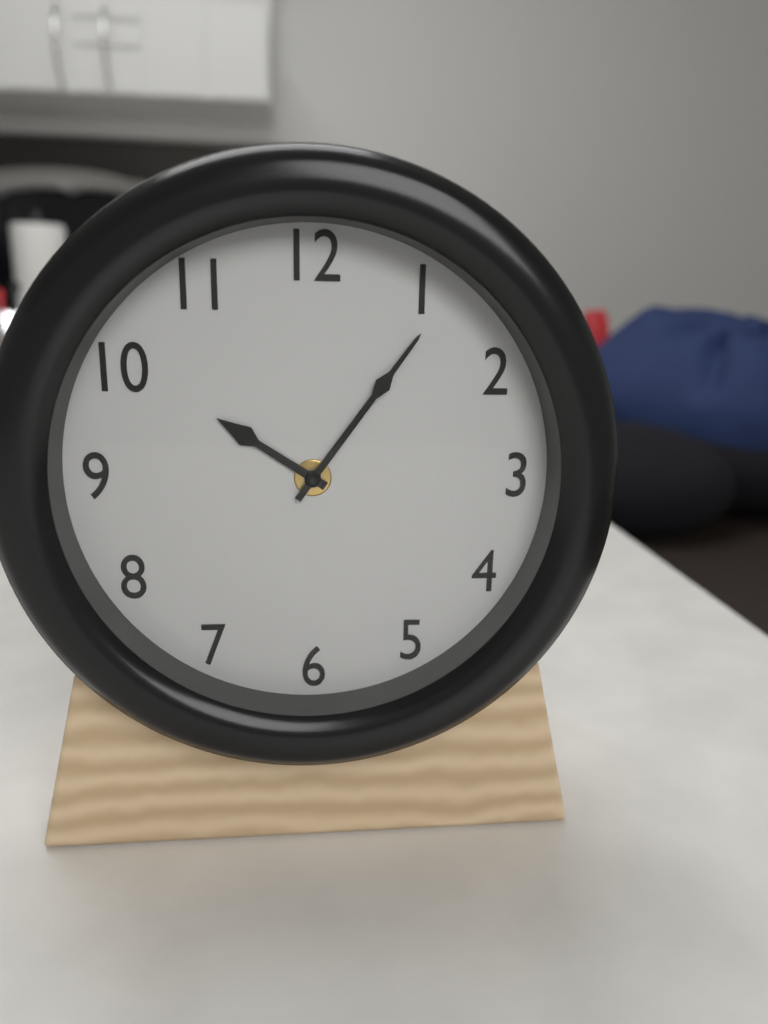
10.06
